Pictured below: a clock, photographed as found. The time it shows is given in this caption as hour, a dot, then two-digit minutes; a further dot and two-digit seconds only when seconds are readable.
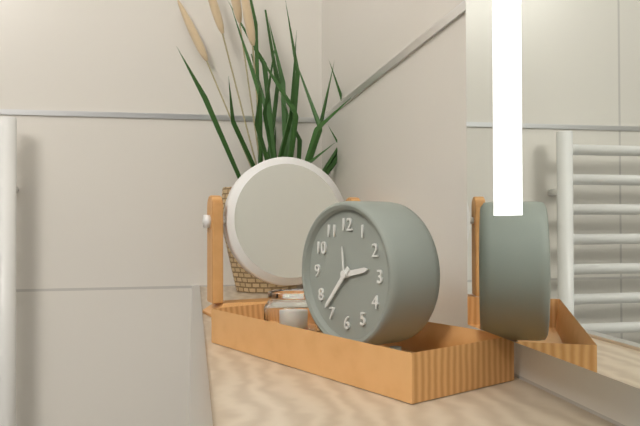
2.37
